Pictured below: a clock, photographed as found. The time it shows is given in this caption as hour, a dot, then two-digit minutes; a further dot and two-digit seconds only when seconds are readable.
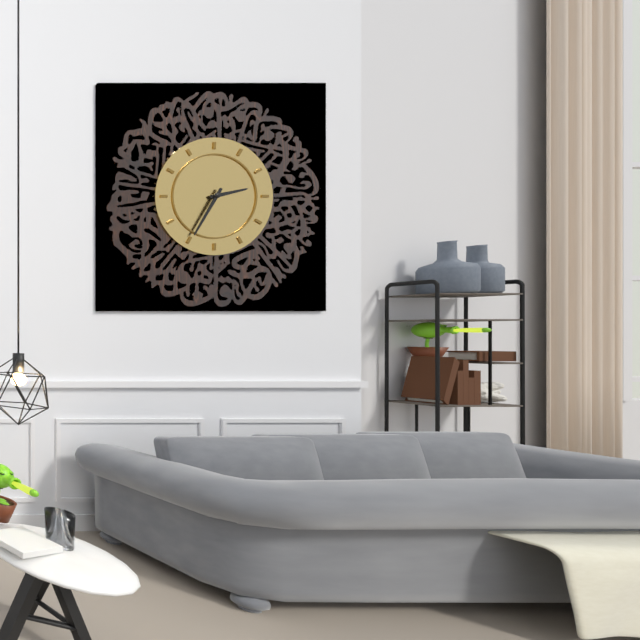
2.35
